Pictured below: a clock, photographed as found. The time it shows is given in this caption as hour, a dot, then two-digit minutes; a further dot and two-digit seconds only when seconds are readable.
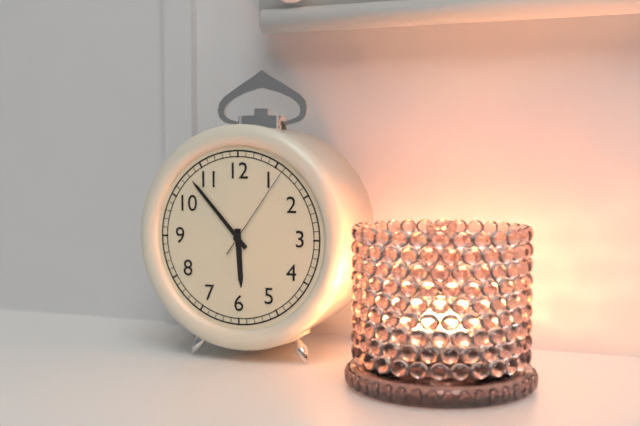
5.53.06
